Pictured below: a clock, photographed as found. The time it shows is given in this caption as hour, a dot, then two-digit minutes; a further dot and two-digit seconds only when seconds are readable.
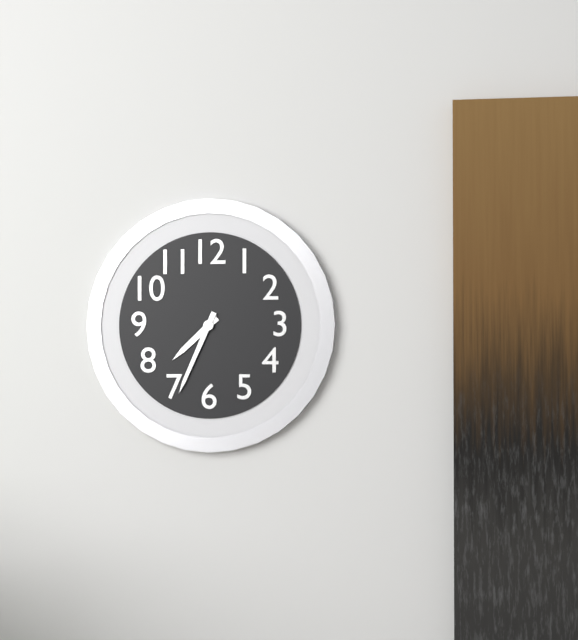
7.34
